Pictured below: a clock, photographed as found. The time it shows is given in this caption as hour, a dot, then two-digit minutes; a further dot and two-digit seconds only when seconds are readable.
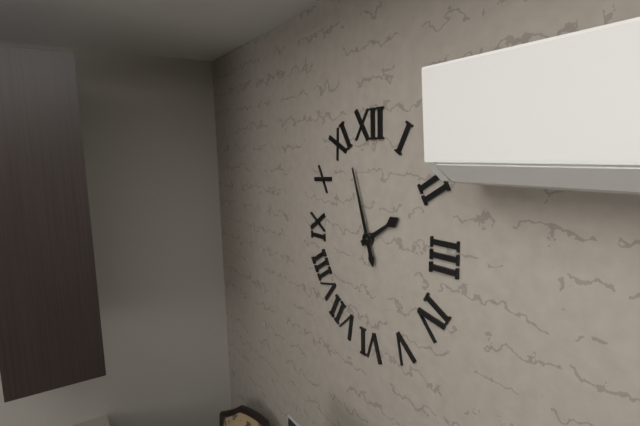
1.57
